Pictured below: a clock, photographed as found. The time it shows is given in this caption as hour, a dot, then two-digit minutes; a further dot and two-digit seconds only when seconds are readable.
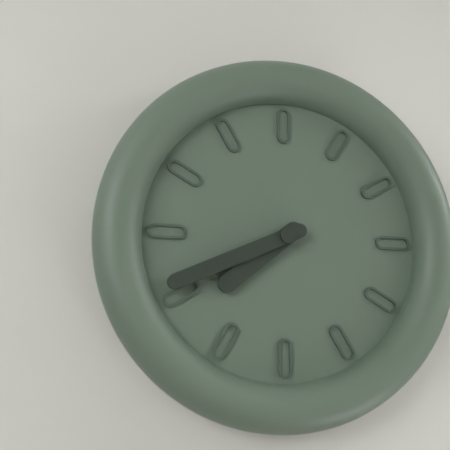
7.41
